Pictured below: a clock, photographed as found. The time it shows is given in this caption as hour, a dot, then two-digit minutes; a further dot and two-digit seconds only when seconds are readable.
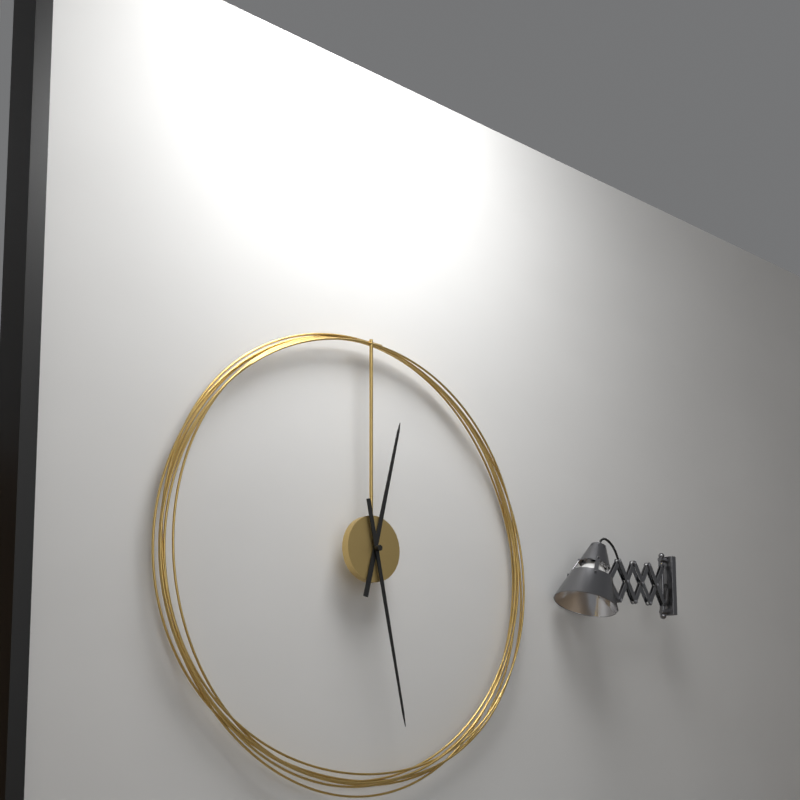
12.28
